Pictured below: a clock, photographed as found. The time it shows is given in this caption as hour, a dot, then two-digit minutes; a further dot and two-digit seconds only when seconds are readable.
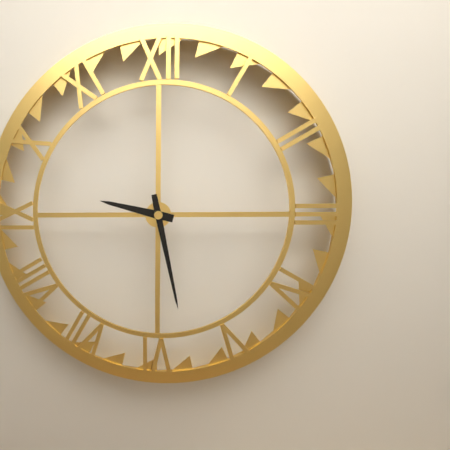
9.28
